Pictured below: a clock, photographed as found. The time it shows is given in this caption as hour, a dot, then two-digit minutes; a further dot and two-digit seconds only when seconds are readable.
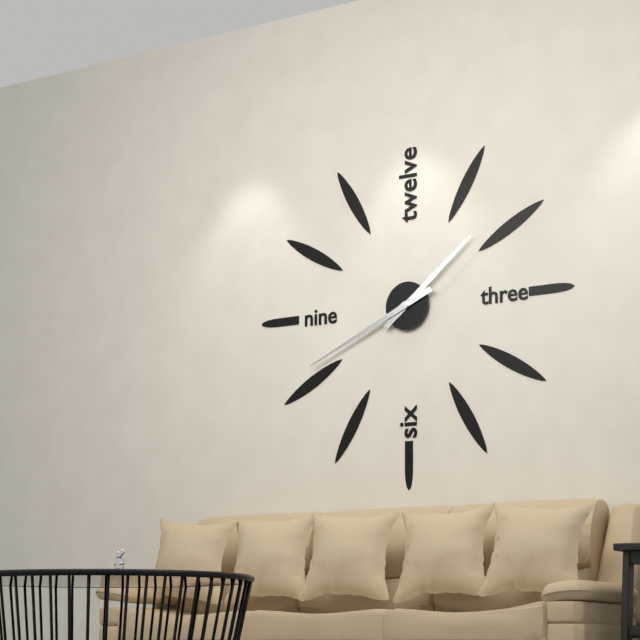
1.41
